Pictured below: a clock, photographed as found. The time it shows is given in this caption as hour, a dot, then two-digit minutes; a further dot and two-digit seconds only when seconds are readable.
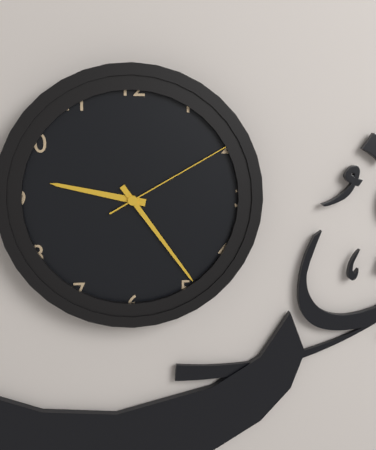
9.24.10
